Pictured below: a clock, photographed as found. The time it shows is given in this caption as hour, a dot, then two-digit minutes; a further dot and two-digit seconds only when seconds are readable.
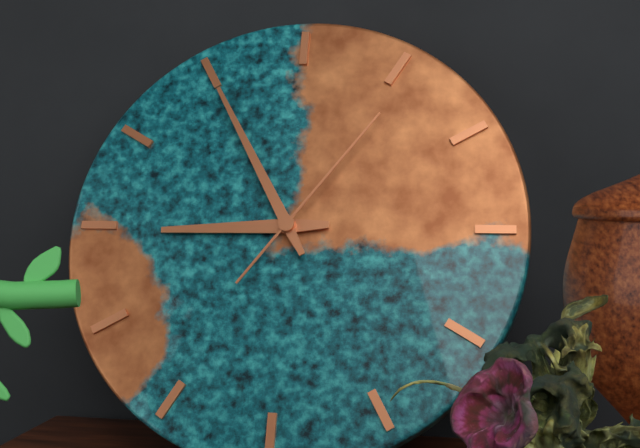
8.55.06
